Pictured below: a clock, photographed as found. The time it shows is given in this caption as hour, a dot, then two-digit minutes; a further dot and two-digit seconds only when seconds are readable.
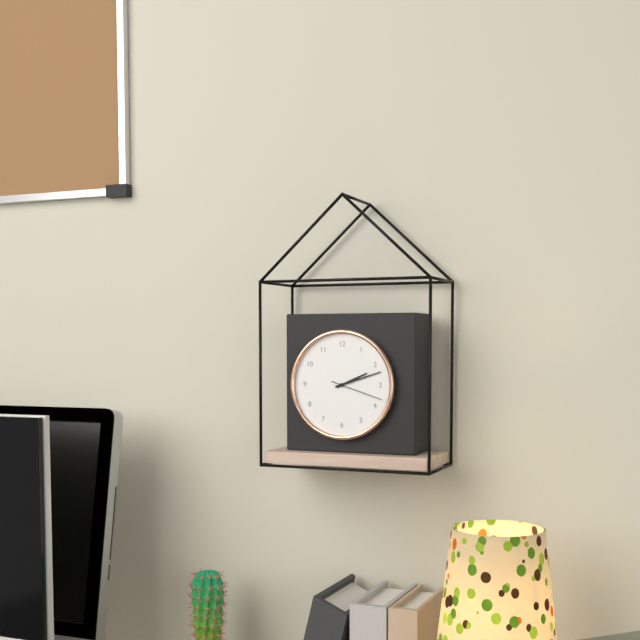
2.12.18
